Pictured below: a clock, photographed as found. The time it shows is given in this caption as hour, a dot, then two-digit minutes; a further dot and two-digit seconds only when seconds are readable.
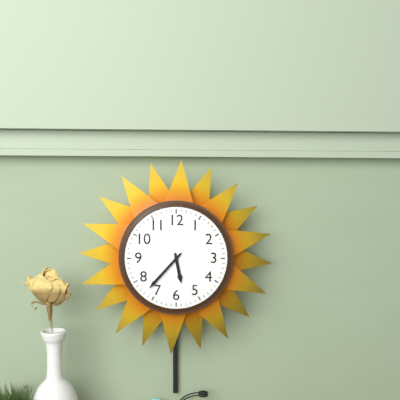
5.37
